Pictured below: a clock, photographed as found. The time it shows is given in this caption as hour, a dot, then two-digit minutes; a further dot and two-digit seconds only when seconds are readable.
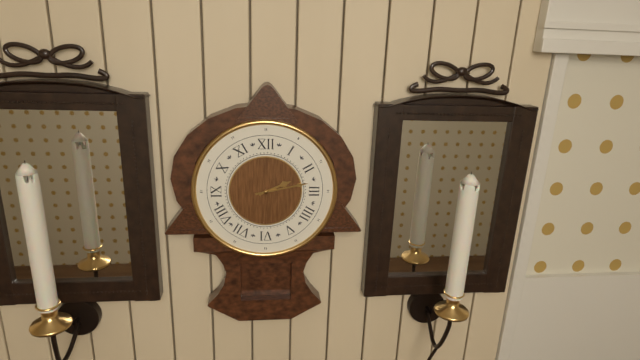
2.13
